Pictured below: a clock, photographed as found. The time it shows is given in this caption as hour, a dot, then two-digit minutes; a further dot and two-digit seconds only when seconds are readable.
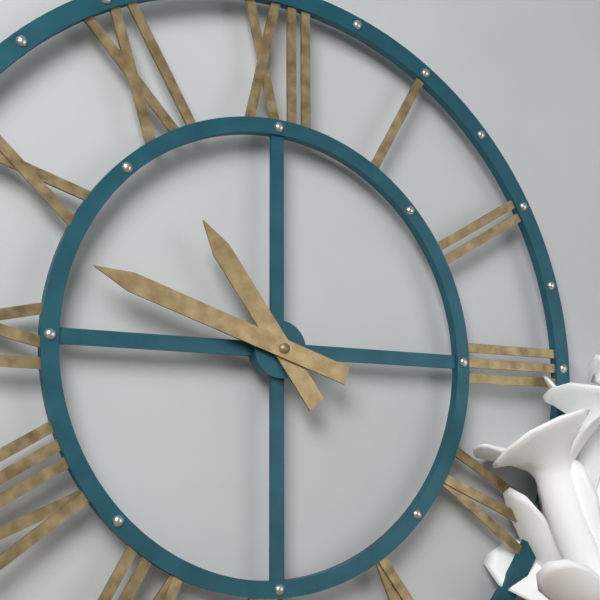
10.48
